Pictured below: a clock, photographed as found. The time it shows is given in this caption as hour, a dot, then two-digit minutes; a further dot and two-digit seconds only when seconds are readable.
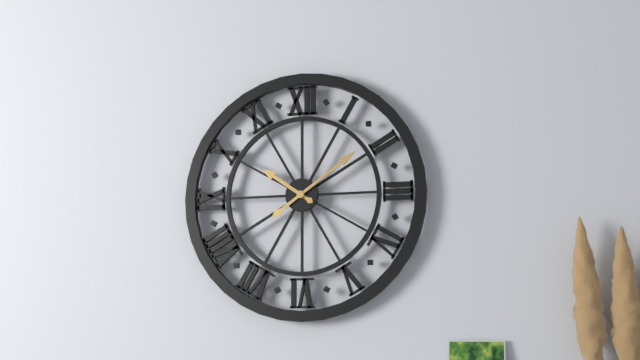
10.09
